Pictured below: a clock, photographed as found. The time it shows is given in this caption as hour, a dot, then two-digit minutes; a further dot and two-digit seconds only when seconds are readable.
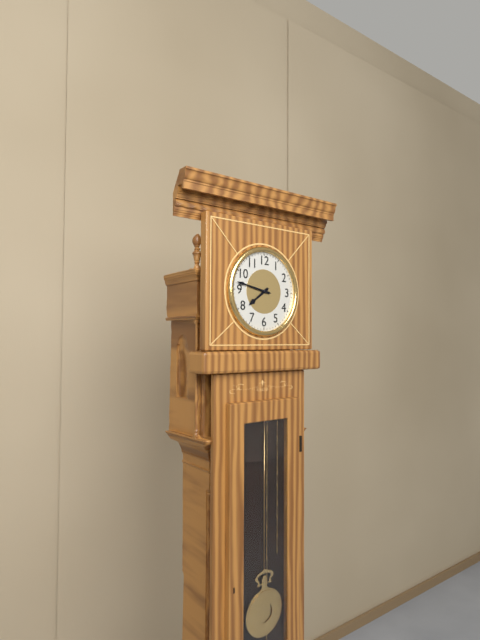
7.47
